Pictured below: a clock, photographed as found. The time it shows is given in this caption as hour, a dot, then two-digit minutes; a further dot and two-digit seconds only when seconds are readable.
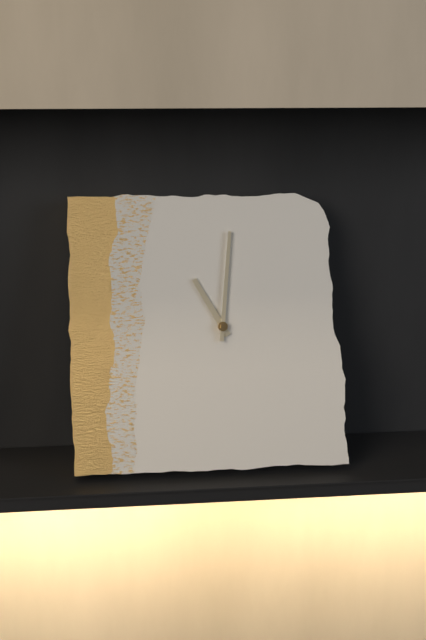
11.01
